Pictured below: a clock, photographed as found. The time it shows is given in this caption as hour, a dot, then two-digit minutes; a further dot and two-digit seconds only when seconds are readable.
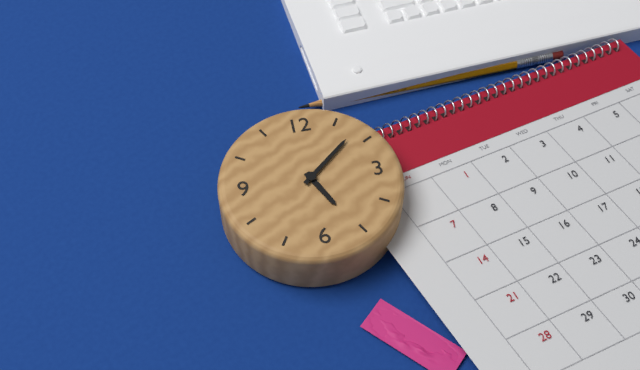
5.08
